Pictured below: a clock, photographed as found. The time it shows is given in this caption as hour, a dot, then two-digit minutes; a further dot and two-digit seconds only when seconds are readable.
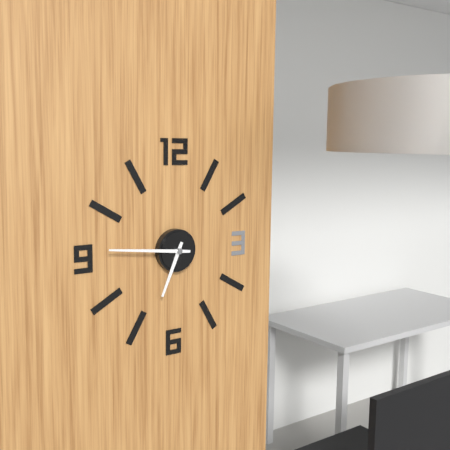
6.46
